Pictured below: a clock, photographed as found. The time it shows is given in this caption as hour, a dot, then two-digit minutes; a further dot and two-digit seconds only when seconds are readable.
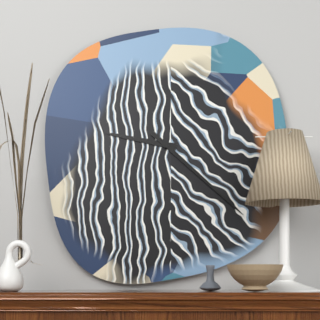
9.22
